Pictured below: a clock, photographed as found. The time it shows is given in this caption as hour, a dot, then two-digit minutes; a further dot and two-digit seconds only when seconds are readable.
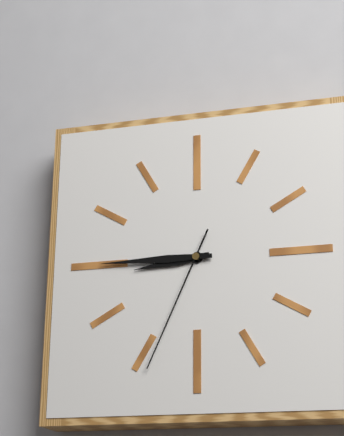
8.45.34
